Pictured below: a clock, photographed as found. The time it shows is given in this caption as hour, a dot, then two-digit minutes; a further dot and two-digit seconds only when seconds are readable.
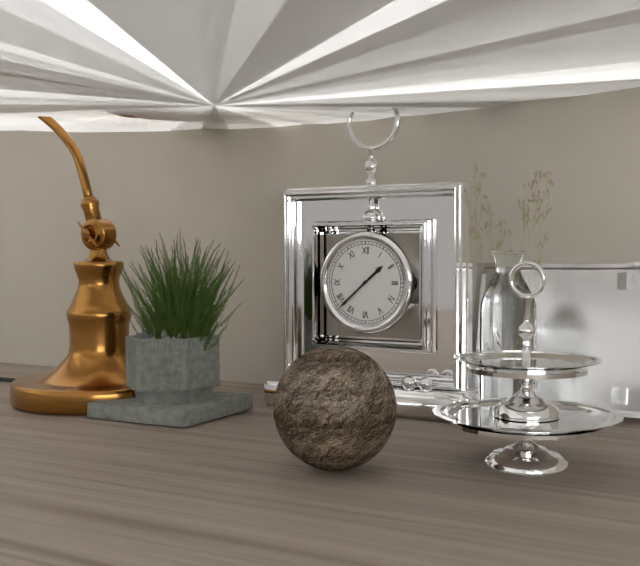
1.38
